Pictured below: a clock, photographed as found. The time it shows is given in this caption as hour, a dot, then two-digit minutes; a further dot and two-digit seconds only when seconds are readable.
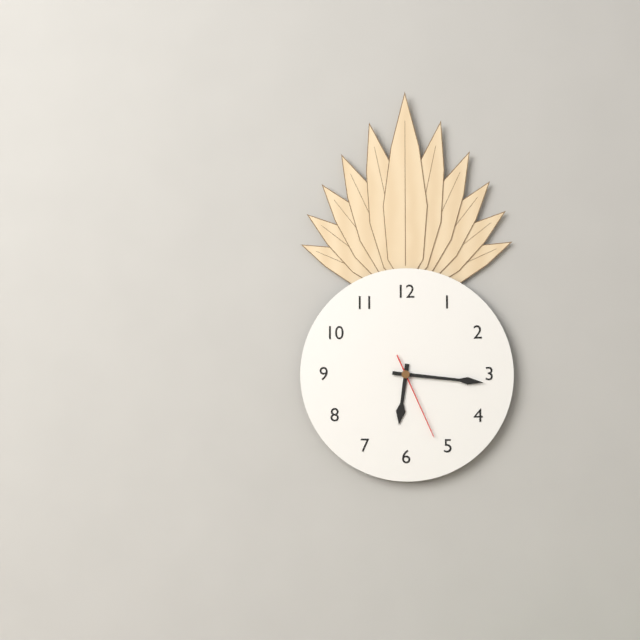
6.16.26
